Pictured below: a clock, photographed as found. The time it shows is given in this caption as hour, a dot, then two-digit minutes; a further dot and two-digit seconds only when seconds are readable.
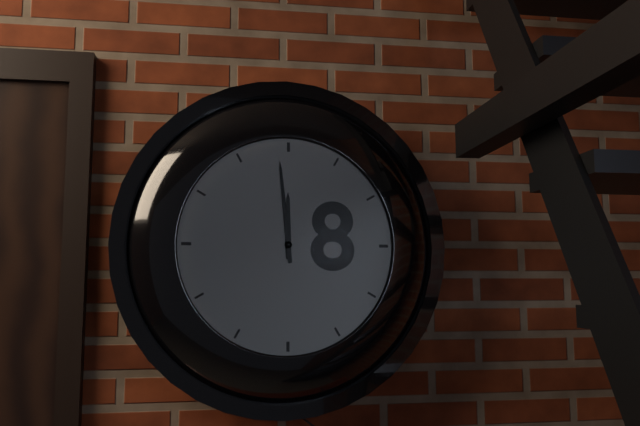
11.59
